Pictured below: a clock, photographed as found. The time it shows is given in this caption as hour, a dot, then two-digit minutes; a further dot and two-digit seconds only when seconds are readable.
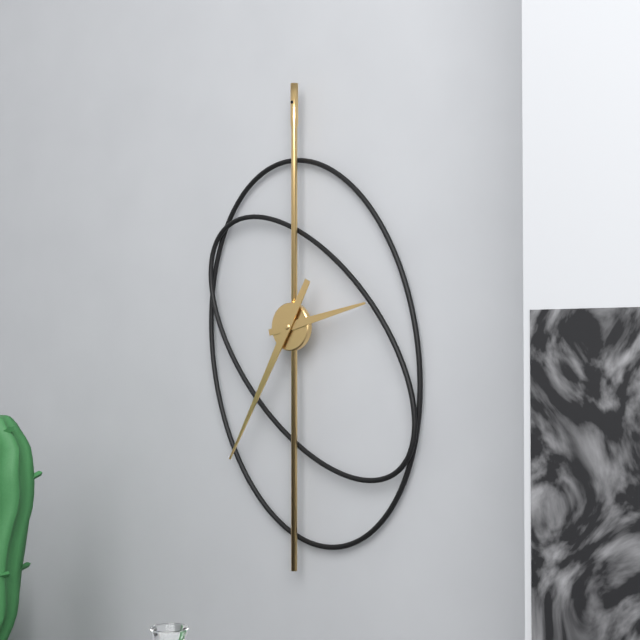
2.35
